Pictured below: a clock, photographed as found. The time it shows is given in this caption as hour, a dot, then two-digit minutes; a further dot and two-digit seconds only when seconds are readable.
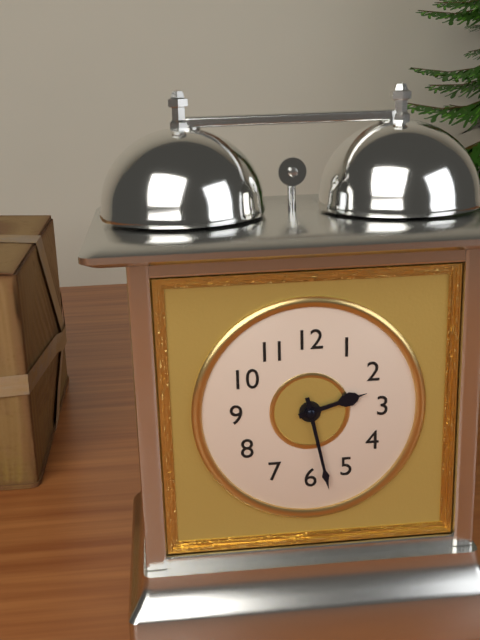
2.28
